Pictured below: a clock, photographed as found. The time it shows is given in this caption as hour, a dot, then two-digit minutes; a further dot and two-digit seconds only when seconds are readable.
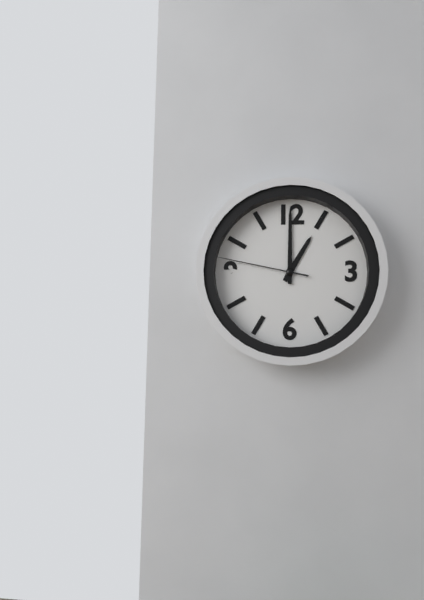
1.00.47
